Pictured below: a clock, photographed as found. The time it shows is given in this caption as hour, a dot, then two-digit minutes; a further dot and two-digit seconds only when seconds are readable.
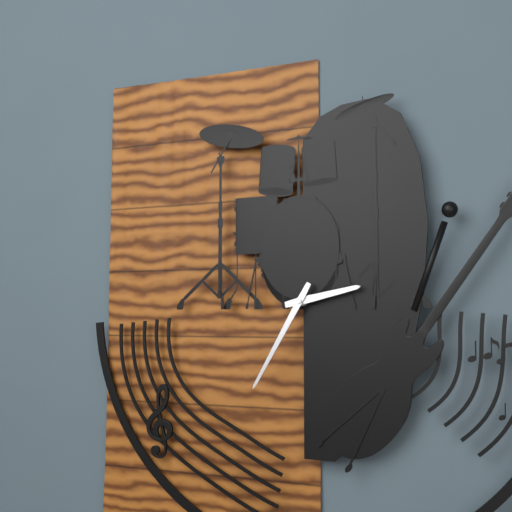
2.35
